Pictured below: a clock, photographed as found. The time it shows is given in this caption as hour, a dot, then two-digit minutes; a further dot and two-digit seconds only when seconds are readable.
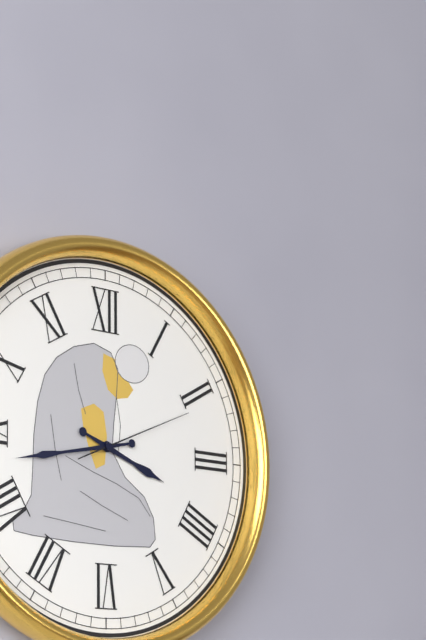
3.43.11
